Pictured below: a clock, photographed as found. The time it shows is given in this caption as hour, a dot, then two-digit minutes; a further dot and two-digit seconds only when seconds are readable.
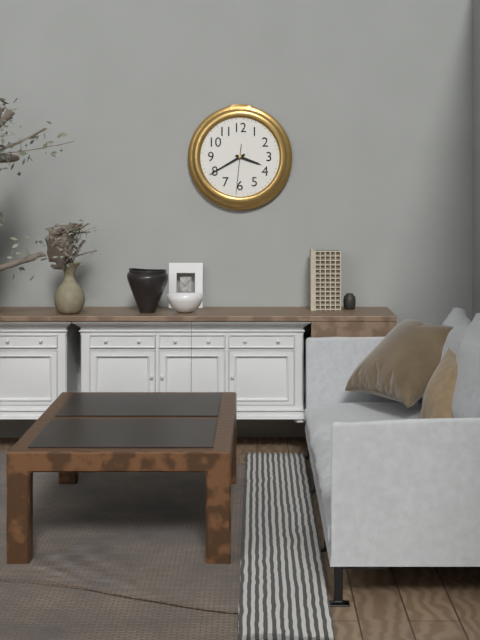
3.40
